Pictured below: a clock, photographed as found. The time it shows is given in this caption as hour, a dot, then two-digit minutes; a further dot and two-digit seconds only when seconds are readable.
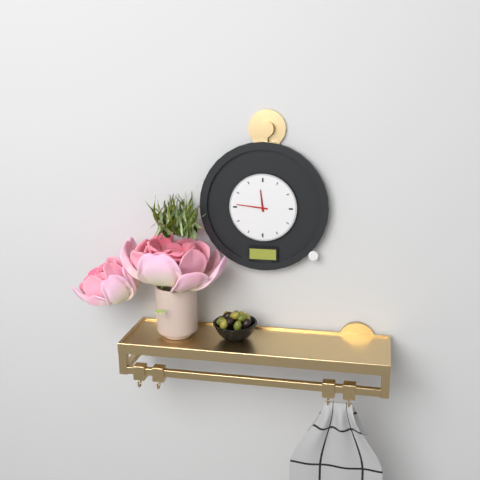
11.46
